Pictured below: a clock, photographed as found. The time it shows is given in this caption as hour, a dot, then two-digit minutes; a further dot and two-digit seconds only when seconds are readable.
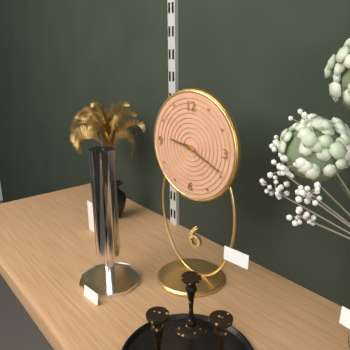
9.19
